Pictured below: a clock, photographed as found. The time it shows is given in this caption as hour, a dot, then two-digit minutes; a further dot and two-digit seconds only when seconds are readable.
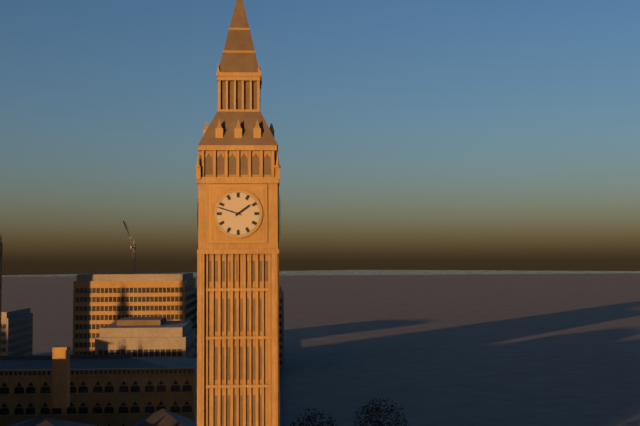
1.48
